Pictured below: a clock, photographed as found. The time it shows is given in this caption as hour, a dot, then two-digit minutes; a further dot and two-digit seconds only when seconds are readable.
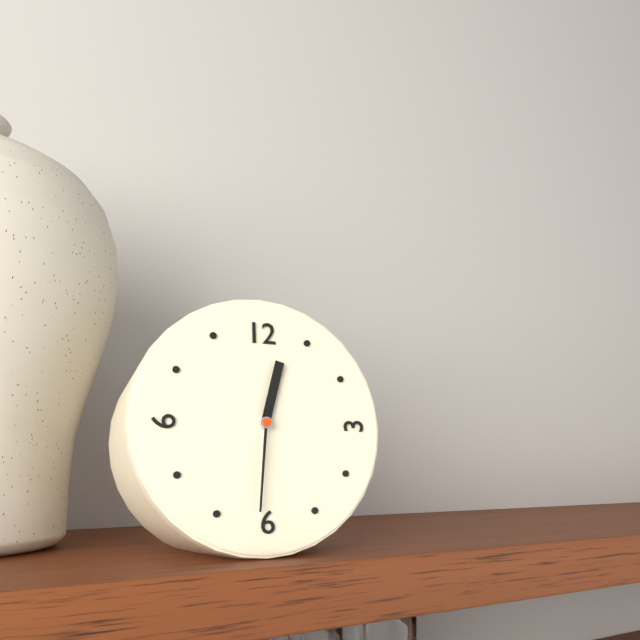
12.31
